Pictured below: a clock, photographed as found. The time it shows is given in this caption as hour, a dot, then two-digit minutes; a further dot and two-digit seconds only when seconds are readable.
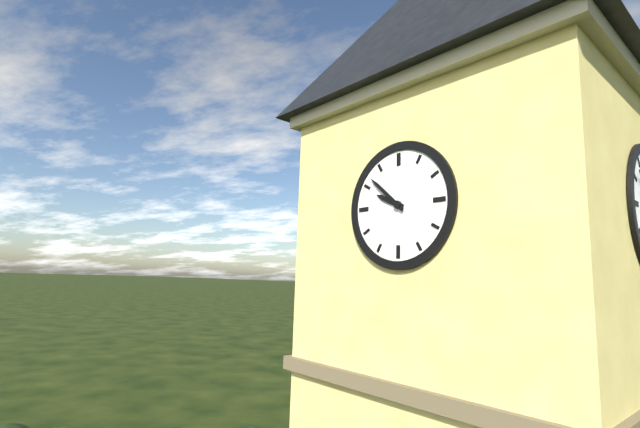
9.52
